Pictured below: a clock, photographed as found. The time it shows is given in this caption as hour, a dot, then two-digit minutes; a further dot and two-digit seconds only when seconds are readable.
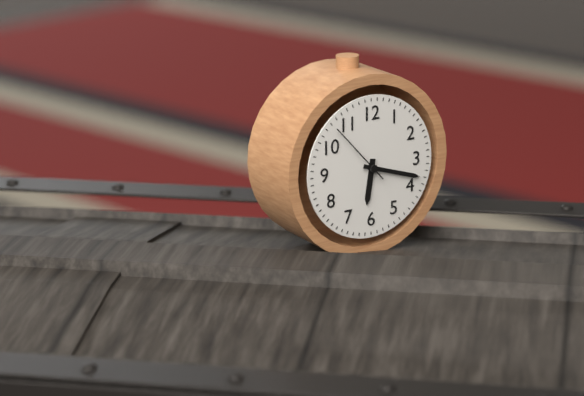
6.18.53
